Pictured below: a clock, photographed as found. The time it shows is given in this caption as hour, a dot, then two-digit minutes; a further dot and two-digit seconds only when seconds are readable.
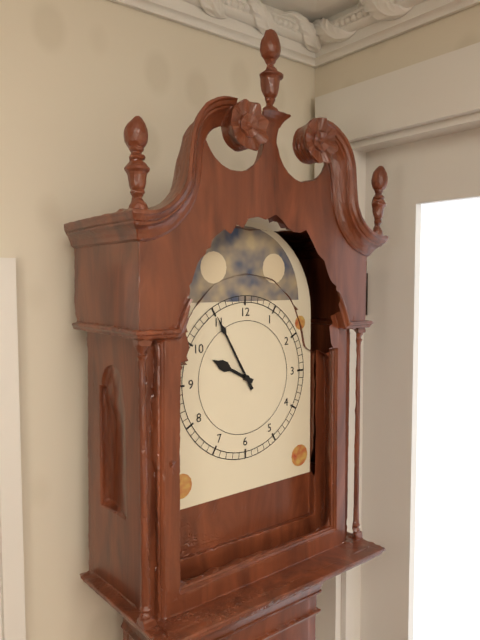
9.55
